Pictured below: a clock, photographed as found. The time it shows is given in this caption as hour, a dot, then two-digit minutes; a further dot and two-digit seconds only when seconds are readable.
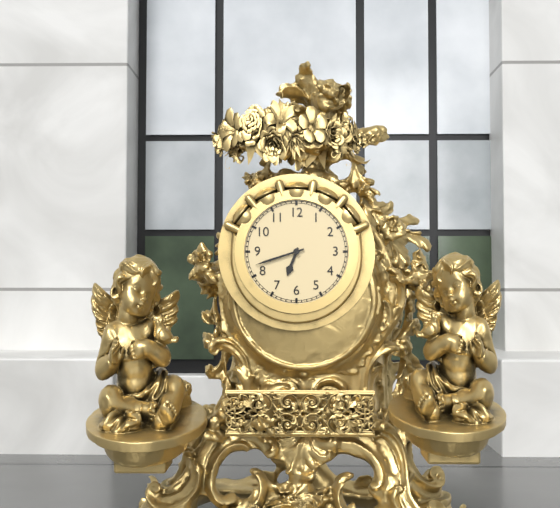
6.42
